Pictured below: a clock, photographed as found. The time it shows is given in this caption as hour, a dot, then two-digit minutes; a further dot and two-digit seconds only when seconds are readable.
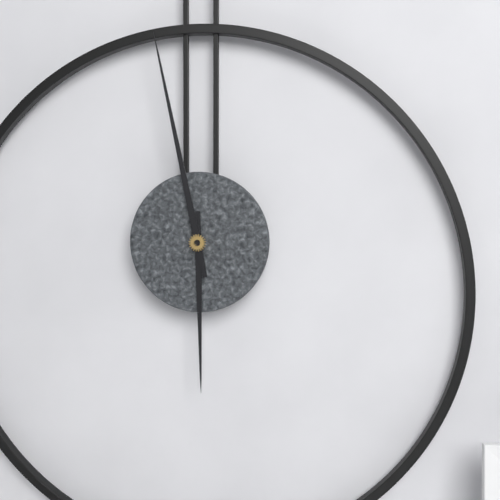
5.58
